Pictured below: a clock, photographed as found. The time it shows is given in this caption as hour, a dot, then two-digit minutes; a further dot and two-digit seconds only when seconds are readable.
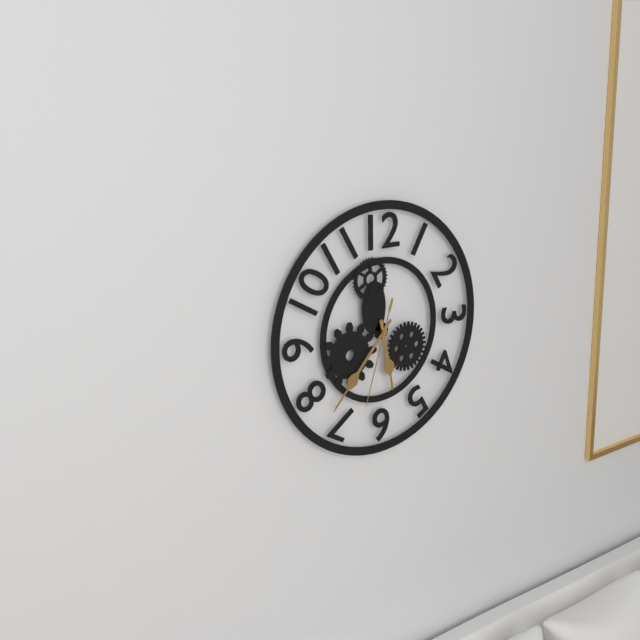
5.37.33
